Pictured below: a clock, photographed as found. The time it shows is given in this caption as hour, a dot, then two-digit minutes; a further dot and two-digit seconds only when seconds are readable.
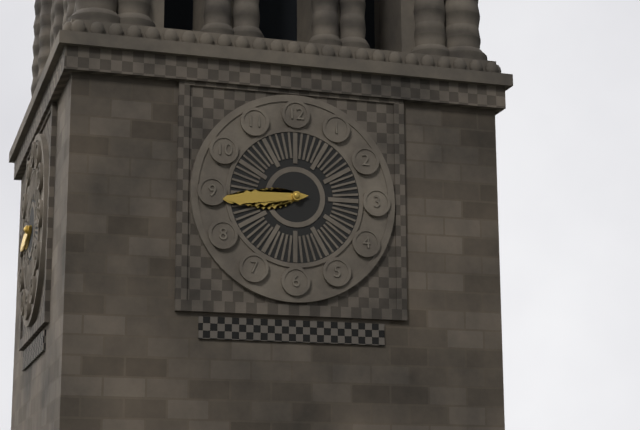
8.44
